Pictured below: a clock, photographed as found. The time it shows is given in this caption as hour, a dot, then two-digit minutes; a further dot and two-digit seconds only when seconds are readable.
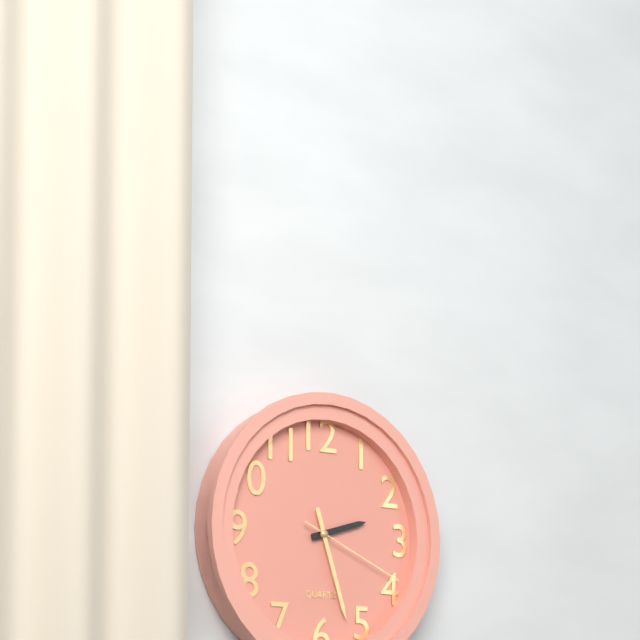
2.27.19
